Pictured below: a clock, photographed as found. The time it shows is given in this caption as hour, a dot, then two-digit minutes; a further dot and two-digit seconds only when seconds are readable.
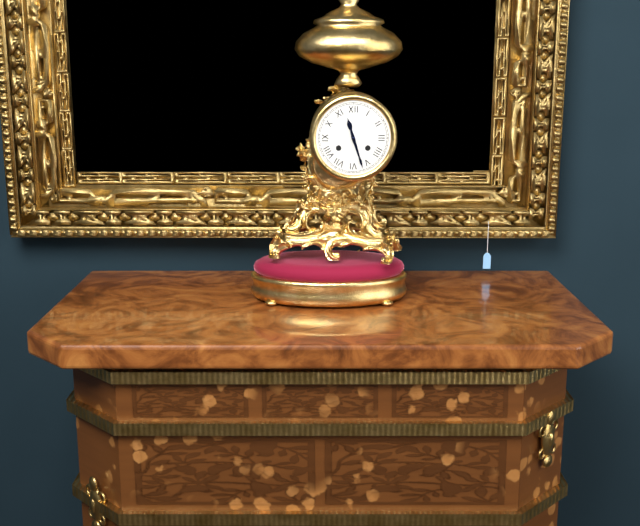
11.27
